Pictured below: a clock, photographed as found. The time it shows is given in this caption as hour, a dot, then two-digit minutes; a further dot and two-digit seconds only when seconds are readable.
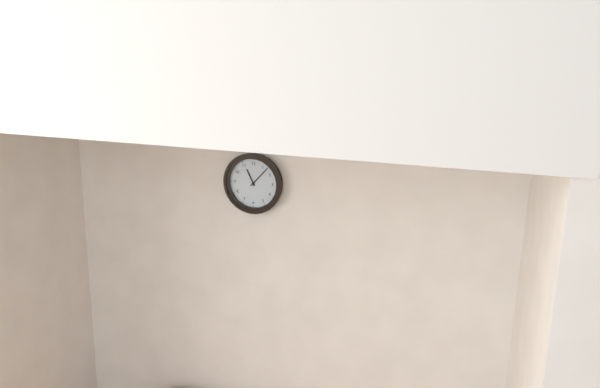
11.07
